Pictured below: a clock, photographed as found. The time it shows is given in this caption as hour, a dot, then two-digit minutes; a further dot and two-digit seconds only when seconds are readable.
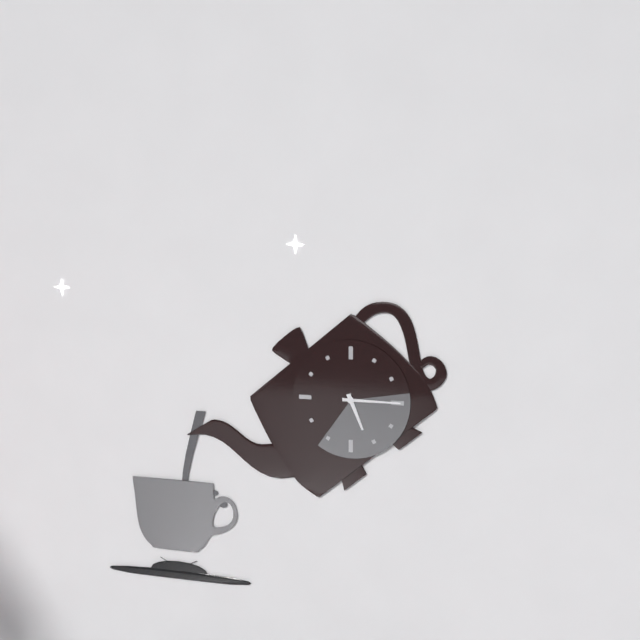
5.15
